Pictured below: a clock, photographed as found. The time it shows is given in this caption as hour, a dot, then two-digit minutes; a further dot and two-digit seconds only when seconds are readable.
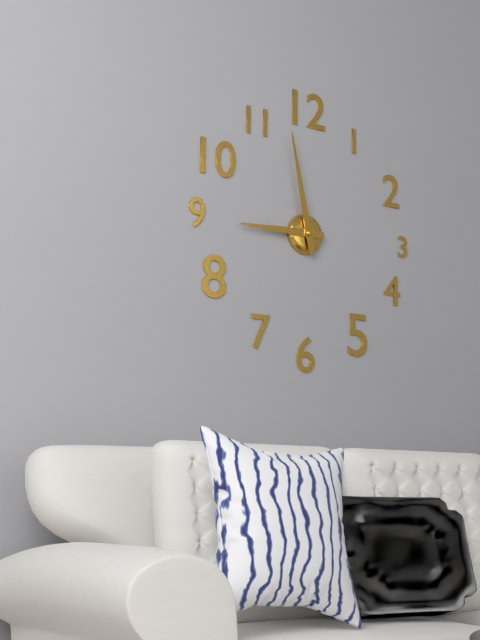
8.58
